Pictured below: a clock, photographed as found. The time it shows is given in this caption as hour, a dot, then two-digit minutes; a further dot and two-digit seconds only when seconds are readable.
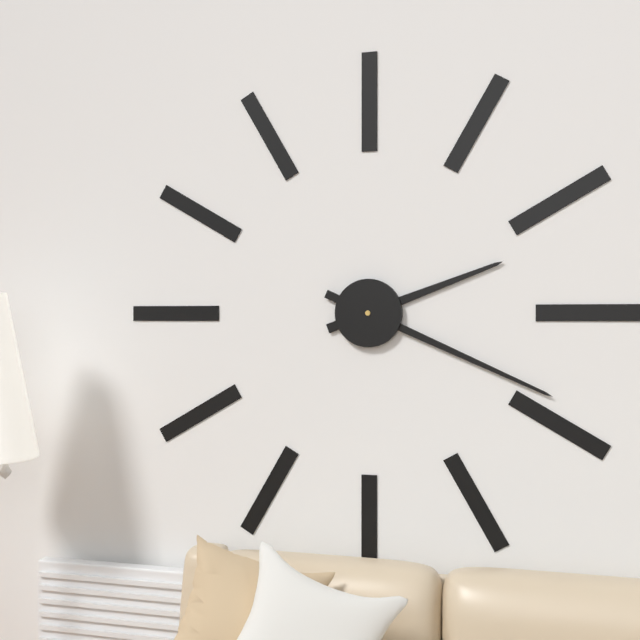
2.19
